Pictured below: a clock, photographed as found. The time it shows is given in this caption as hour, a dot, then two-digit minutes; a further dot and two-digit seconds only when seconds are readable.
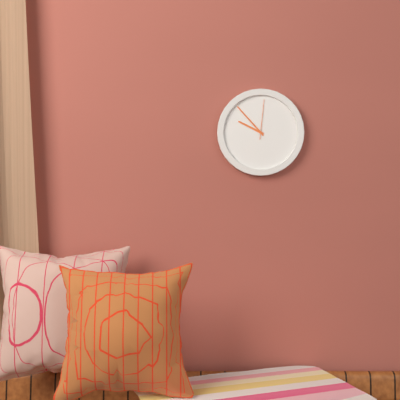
9.53
